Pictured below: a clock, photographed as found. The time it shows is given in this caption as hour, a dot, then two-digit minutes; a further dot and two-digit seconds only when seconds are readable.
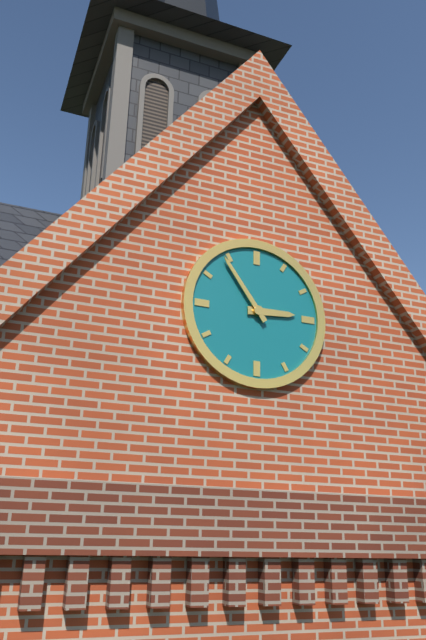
2.54
